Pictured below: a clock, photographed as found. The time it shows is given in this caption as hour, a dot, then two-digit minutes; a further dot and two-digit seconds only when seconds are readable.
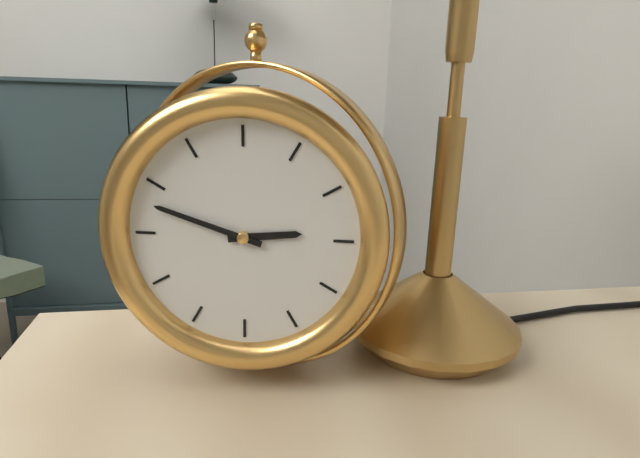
2.48
